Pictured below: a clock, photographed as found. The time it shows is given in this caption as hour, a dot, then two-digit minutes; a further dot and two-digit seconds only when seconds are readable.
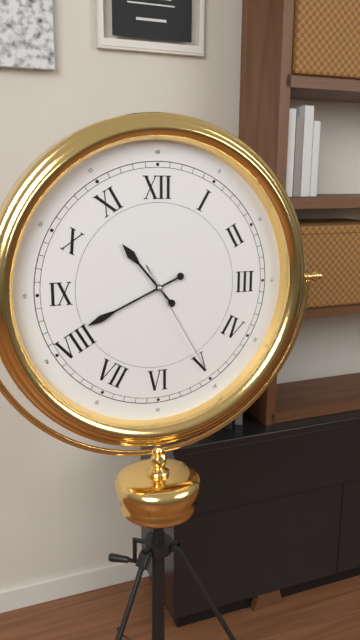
10.41.25
